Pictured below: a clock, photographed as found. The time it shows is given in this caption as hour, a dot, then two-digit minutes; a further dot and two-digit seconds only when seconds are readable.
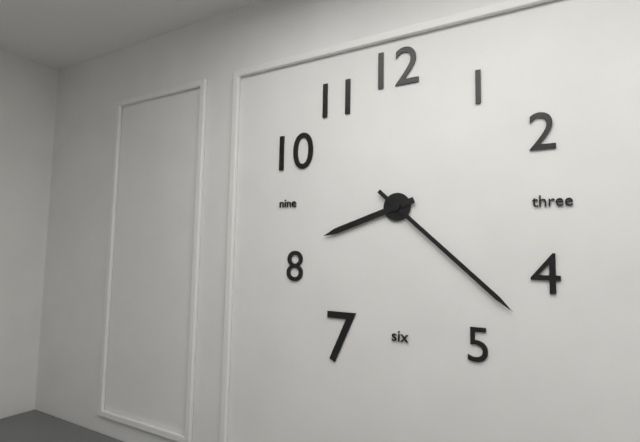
8.22
